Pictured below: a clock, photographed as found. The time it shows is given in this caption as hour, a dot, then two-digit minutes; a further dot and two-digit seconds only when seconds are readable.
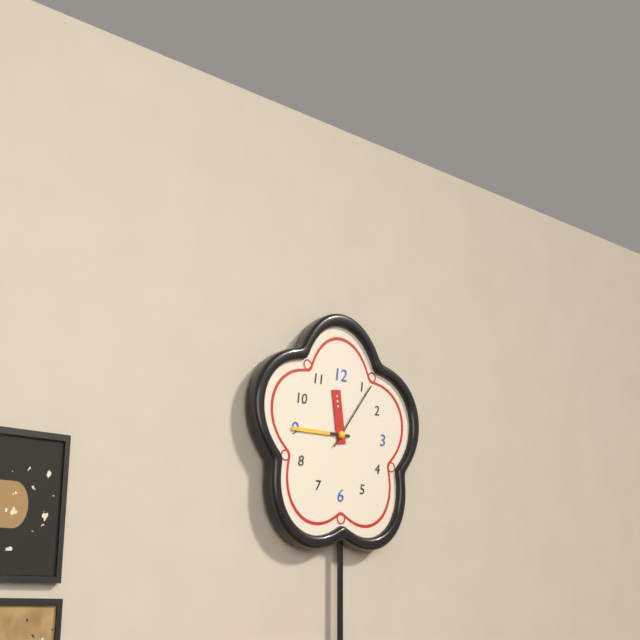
11.45.06
